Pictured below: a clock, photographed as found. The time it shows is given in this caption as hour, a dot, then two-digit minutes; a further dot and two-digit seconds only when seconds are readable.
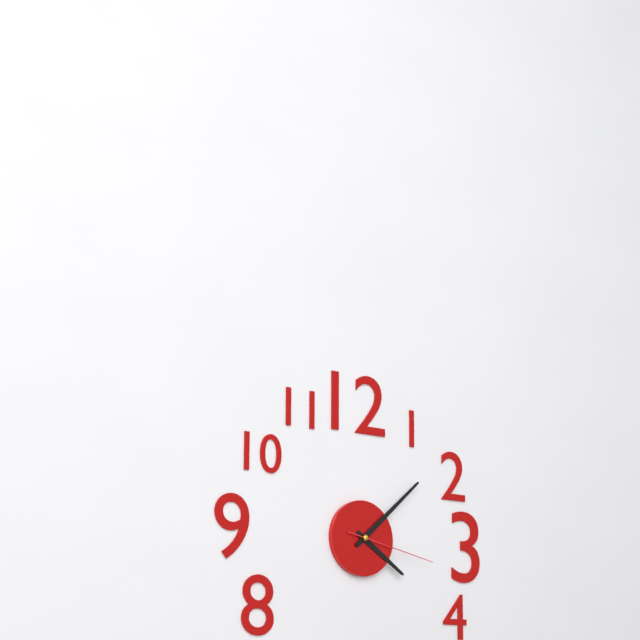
4.08.17
